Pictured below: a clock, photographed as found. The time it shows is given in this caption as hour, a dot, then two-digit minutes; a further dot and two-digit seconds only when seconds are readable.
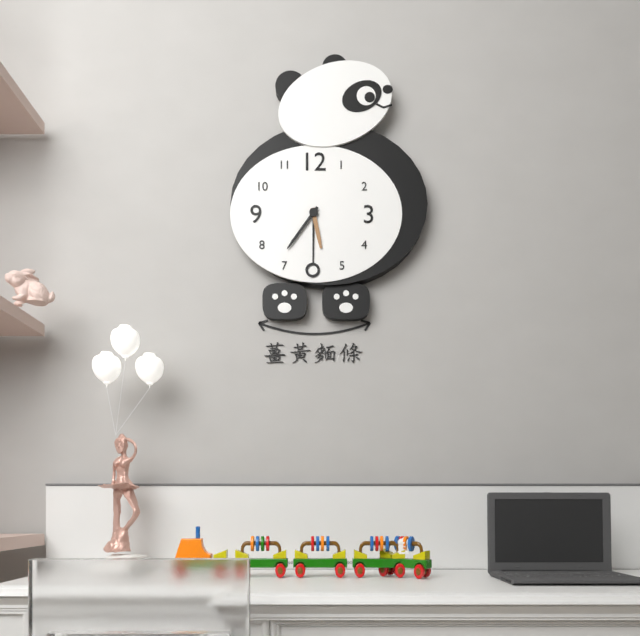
5.36
